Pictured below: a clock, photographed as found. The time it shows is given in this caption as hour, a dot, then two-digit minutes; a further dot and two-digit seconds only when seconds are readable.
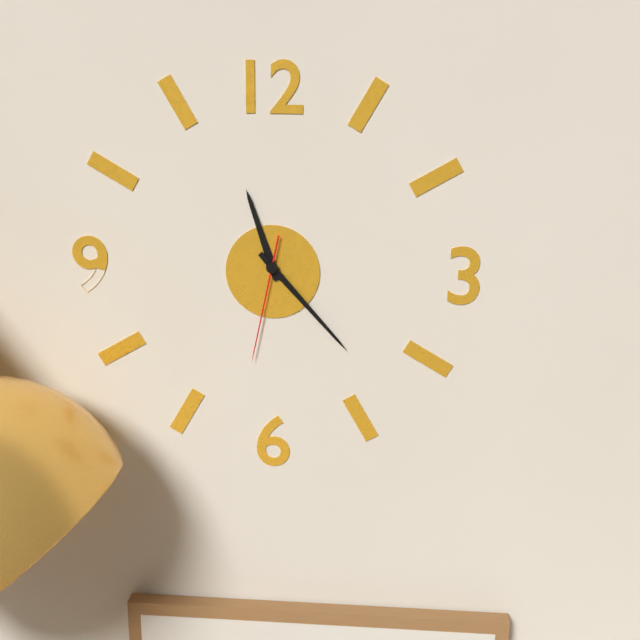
11.23.32
